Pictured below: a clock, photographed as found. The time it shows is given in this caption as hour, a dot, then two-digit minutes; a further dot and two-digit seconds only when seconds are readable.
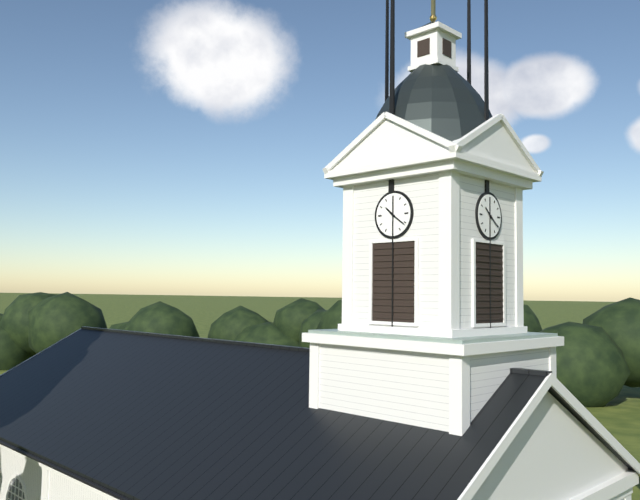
10.21
